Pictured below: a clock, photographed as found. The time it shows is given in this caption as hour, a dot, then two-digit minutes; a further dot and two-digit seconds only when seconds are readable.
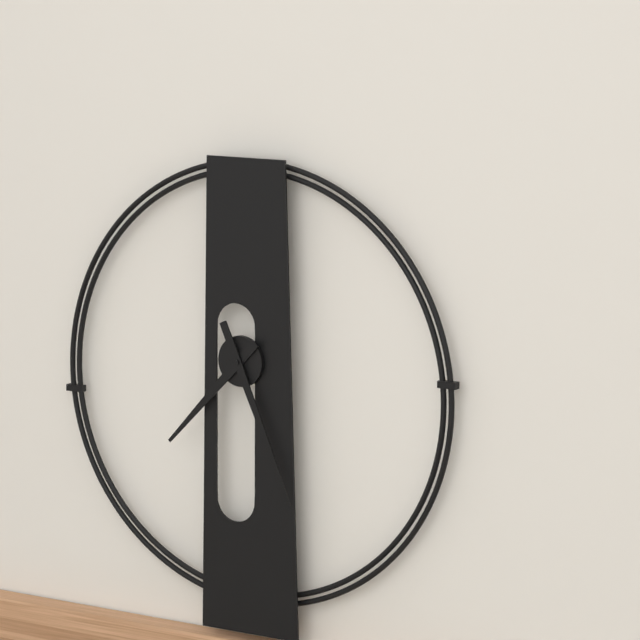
7.26
